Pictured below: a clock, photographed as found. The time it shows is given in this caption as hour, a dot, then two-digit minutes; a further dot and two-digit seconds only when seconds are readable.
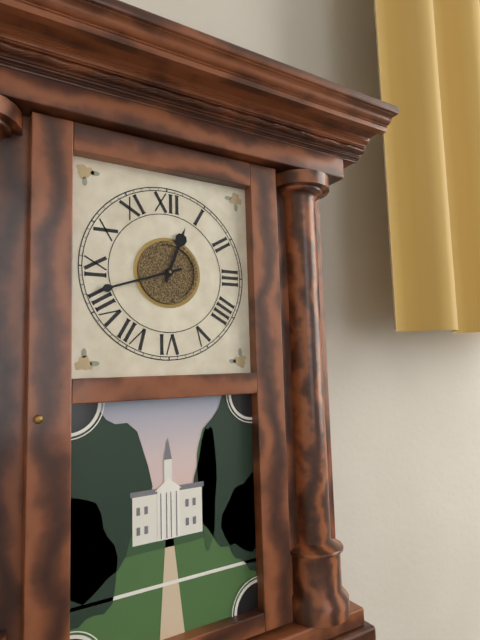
12.42
